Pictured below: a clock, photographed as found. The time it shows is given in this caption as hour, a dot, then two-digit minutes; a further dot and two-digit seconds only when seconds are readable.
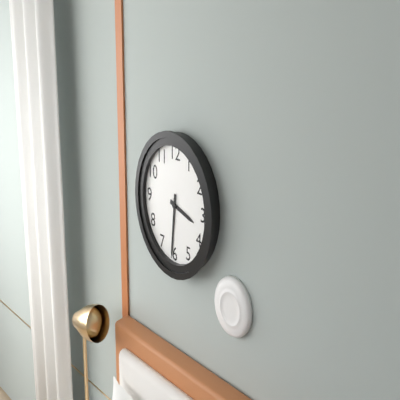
3.31
